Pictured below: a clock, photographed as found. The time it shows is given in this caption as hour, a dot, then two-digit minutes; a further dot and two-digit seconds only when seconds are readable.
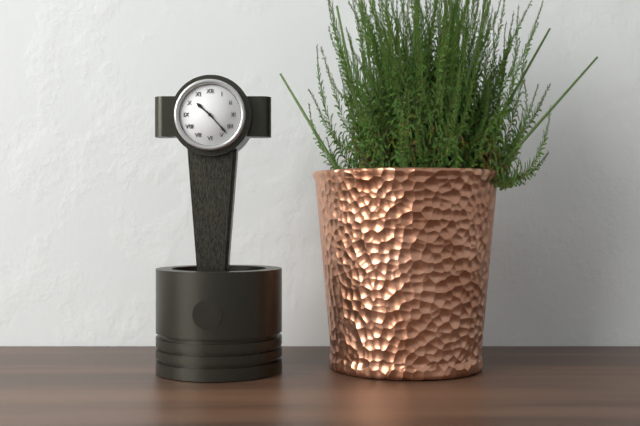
10.23
